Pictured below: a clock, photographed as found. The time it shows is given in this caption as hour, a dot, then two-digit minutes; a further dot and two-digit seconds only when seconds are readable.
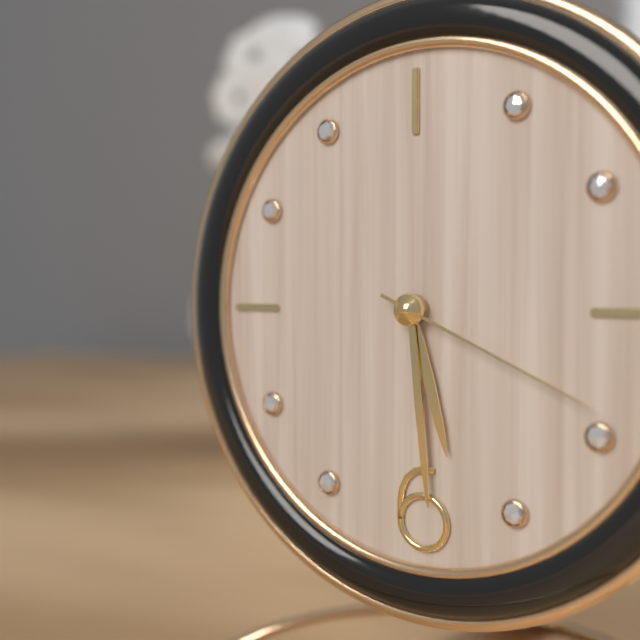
5.29.19
